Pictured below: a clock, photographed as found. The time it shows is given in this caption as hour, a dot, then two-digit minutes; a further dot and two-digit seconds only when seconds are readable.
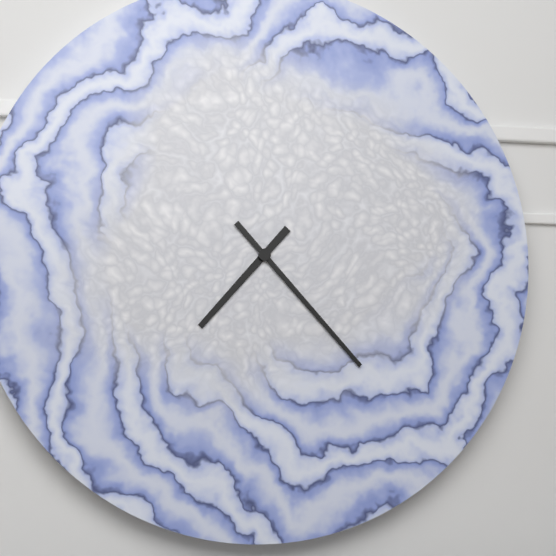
7.23
